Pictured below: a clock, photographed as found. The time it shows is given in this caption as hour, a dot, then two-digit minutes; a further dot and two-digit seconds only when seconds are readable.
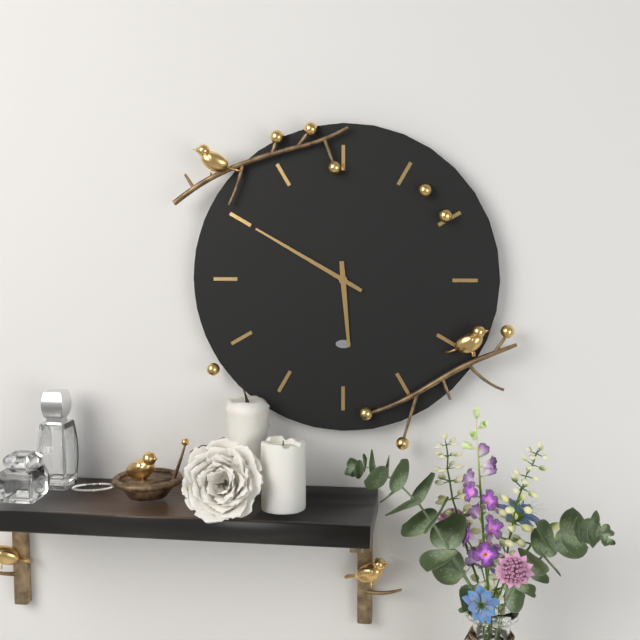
5.50
